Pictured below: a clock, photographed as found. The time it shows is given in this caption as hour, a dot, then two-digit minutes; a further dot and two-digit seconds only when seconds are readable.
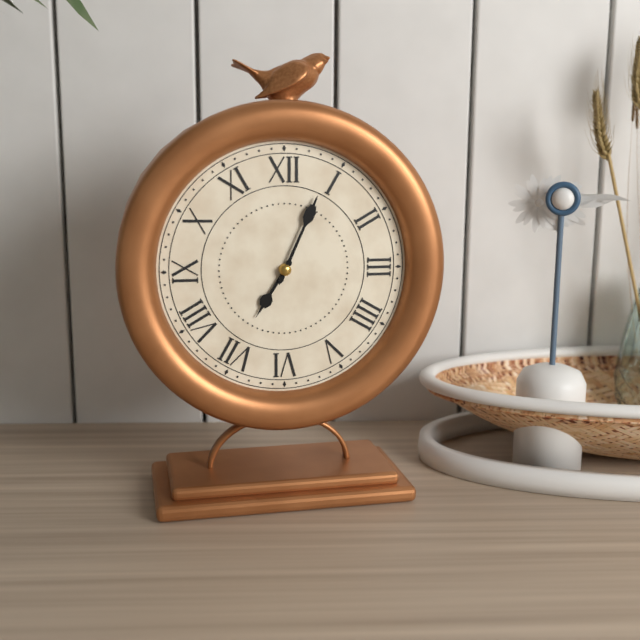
7.04
